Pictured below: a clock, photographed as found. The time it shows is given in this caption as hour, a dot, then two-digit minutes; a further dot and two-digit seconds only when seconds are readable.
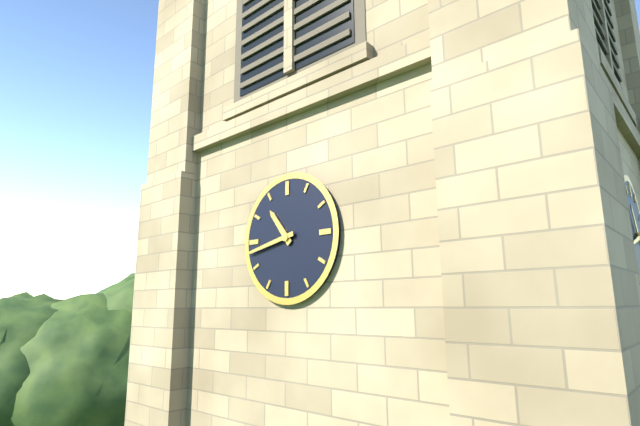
10.43
